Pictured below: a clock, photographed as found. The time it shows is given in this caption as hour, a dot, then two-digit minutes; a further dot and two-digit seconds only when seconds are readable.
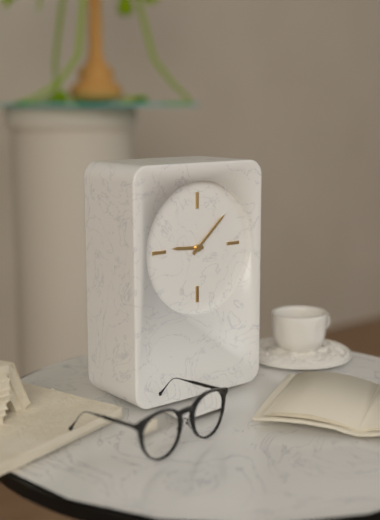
9.08
